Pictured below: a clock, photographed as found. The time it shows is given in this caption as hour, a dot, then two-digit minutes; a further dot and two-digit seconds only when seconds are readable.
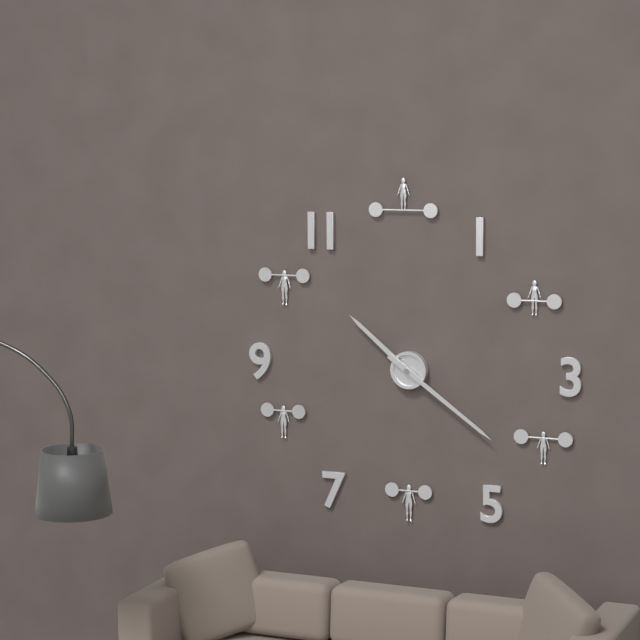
10.21
